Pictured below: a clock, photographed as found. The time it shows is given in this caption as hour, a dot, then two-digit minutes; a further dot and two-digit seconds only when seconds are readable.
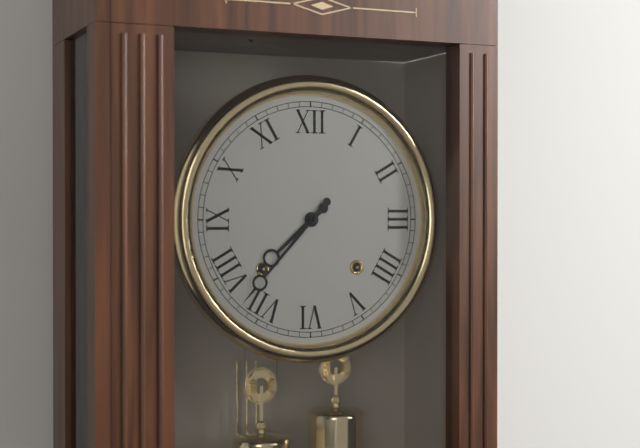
7.37
